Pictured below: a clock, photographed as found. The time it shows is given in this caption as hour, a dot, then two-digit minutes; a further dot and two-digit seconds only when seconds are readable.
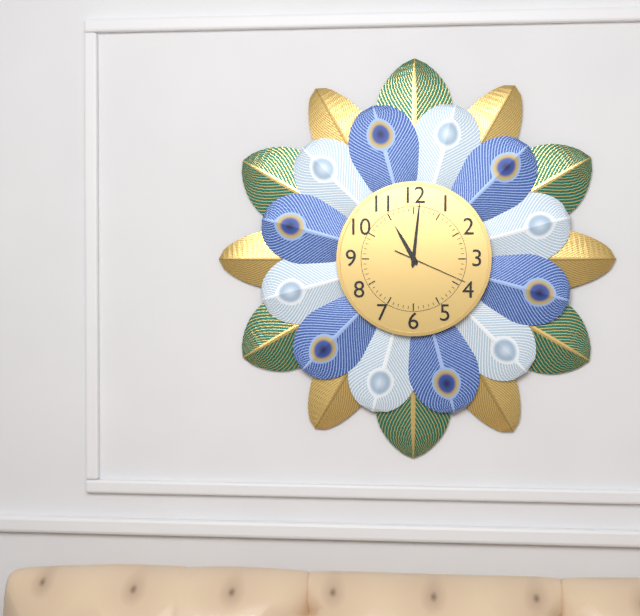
11.01.19
